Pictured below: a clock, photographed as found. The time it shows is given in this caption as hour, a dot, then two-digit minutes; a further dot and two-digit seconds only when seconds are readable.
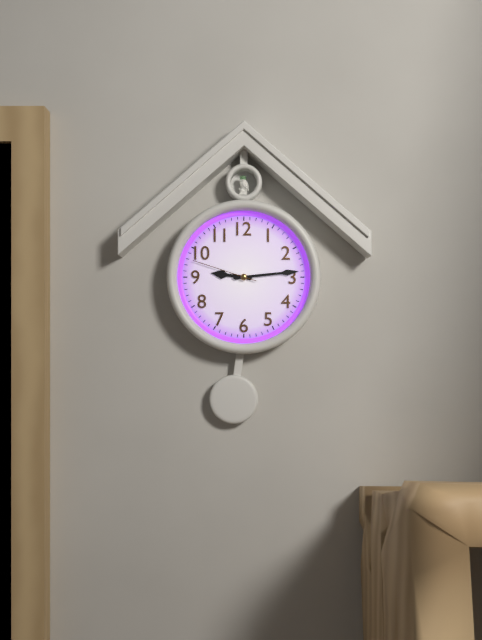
9.14.48
